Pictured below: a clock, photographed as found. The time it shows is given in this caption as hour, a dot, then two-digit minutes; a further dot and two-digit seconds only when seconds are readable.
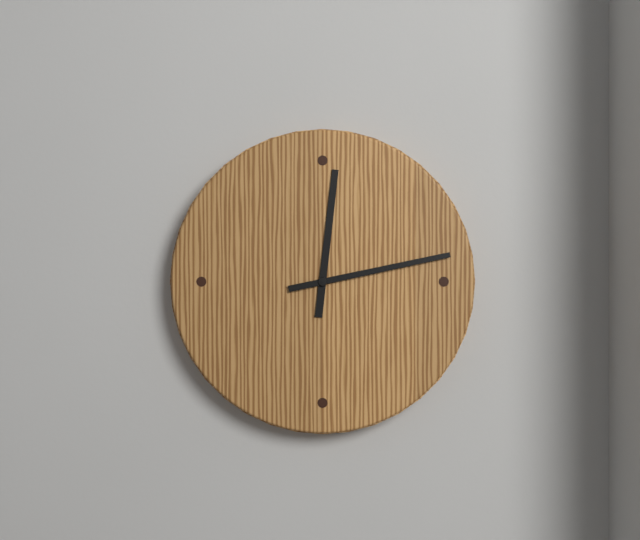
12.13
